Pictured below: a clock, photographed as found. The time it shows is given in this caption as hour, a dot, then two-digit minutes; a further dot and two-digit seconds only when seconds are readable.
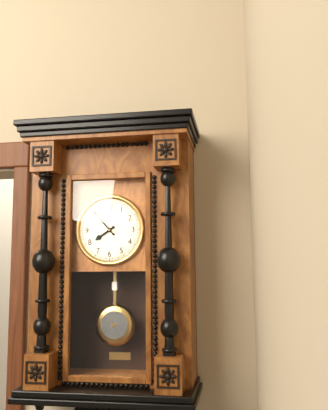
7.53
